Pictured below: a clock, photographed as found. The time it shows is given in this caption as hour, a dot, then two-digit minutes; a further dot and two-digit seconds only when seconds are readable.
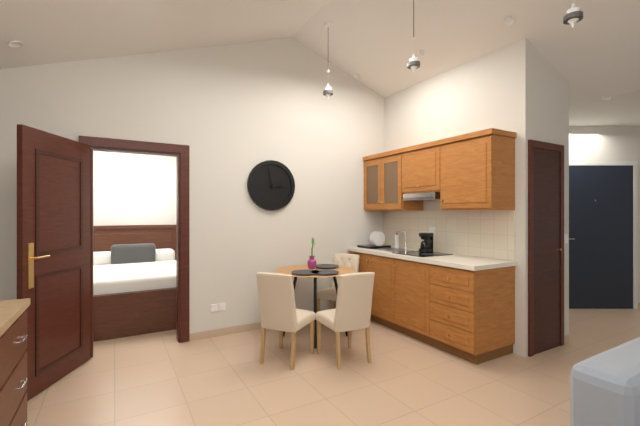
2.58
